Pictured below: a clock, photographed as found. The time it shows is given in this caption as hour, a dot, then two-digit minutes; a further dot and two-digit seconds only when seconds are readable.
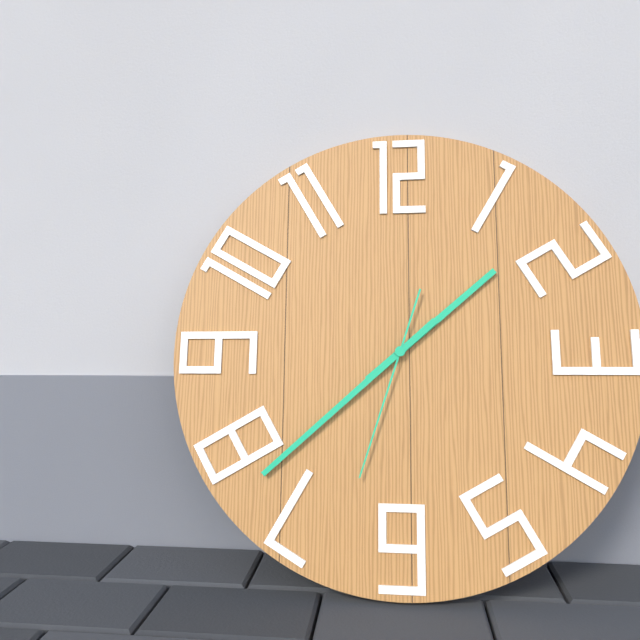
1.38.33
